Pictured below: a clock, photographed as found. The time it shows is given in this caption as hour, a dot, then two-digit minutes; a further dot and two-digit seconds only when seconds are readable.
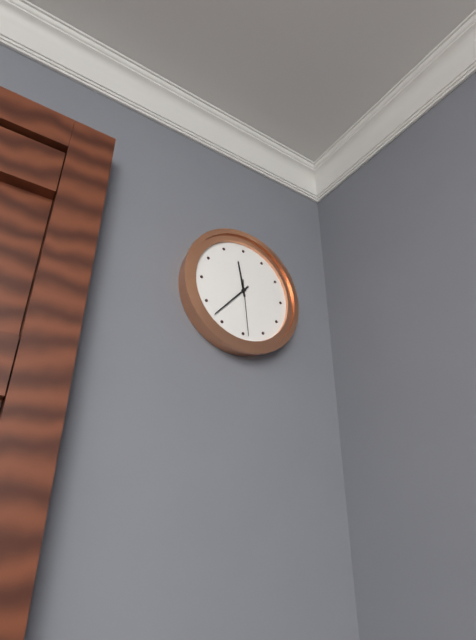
11.37.29
